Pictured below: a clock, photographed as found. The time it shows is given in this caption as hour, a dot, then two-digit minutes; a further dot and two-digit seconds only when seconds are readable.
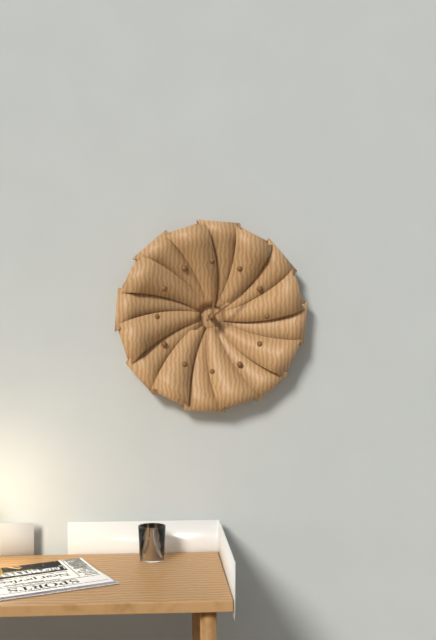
12.09
